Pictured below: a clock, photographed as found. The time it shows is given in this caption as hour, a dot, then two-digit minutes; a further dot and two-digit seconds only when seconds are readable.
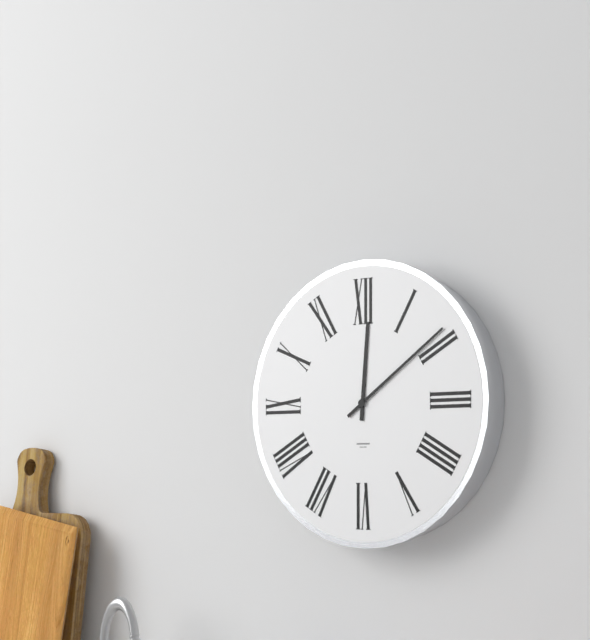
12.09
